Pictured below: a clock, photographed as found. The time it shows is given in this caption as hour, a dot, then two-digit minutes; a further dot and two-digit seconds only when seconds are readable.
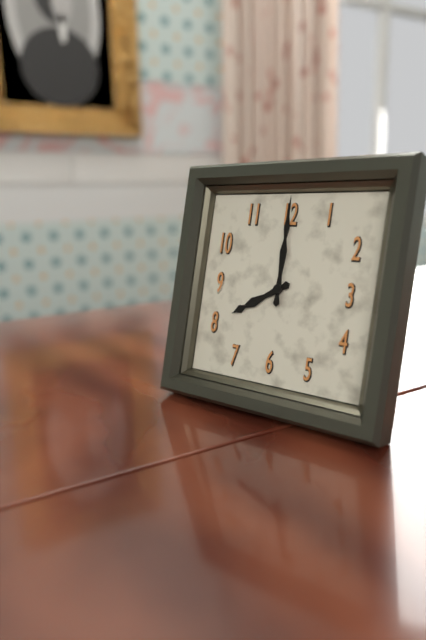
8.00
